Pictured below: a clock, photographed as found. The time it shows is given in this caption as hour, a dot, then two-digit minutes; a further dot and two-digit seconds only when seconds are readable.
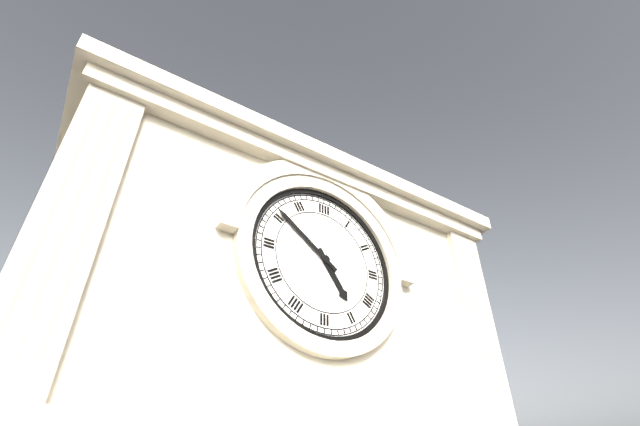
4.51
